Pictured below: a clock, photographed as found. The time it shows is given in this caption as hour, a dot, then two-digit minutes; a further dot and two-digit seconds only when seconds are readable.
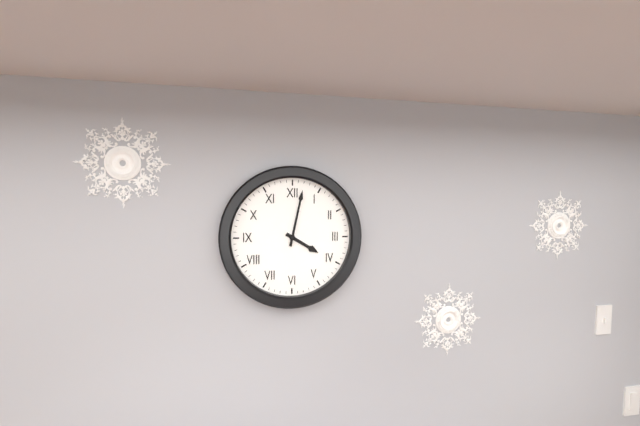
4.02
